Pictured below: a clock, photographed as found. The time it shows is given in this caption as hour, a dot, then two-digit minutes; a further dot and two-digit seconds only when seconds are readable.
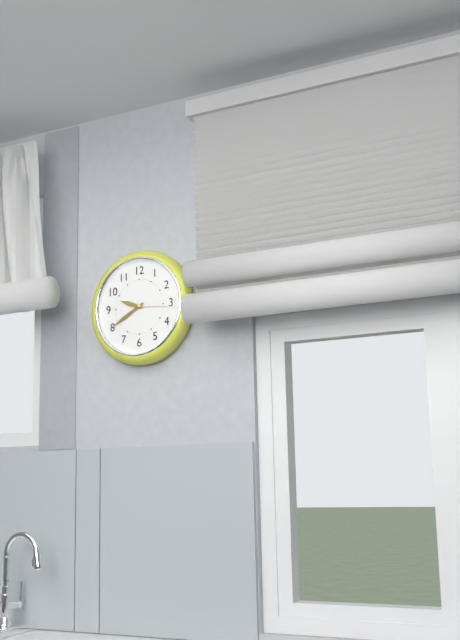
9.40
